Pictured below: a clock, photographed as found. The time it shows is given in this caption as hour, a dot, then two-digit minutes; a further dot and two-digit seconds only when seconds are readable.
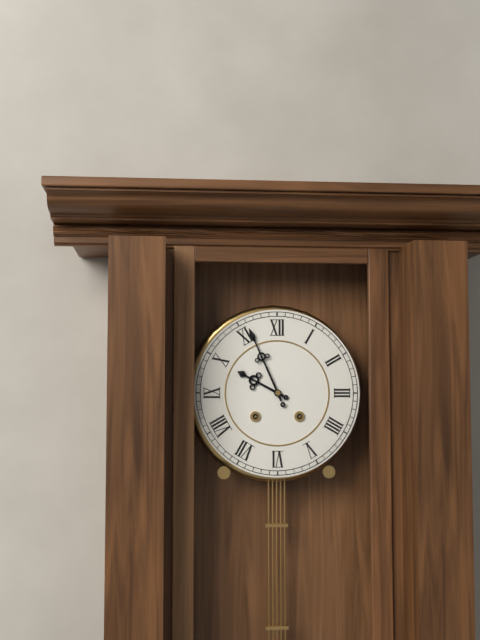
9.56
